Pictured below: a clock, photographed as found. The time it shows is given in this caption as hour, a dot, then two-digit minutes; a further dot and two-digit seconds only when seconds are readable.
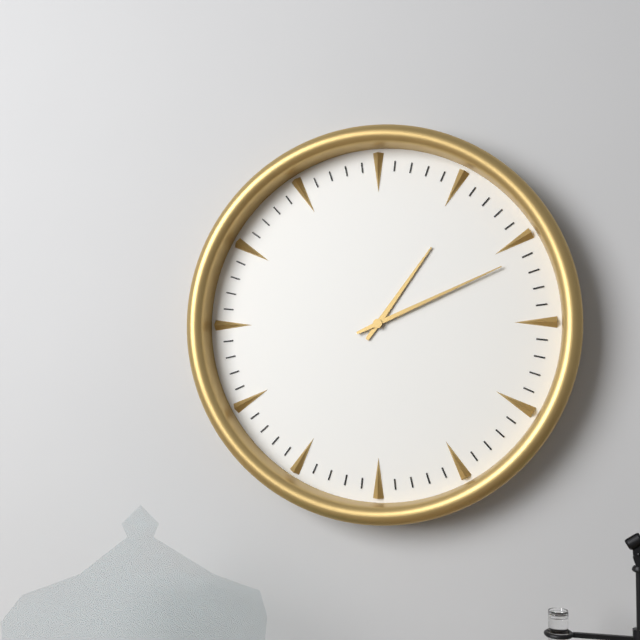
1.11
